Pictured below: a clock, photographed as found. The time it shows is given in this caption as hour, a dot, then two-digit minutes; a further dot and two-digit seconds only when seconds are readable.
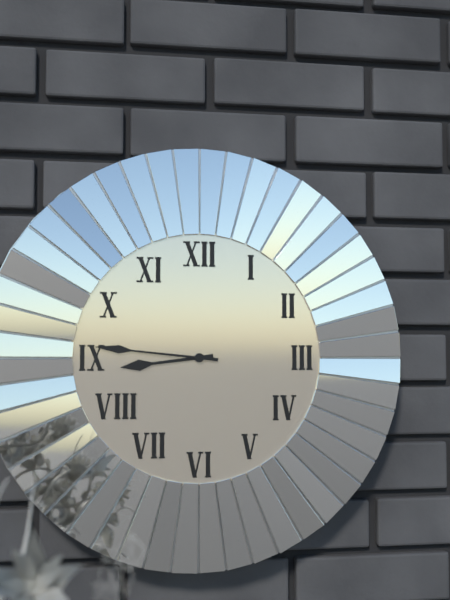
8.46
